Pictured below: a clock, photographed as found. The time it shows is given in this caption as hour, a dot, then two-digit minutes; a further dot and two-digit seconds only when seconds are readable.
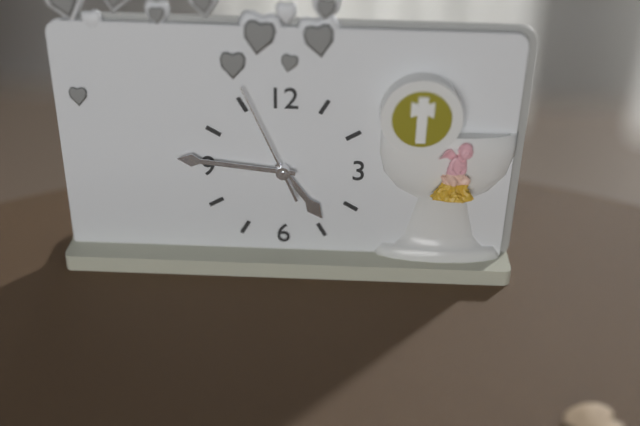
4.46.56
